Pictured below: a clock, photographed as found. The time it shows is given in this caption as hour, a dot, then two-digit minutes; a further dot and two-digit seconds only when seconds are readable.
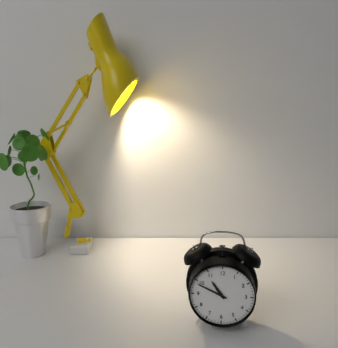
10.49
